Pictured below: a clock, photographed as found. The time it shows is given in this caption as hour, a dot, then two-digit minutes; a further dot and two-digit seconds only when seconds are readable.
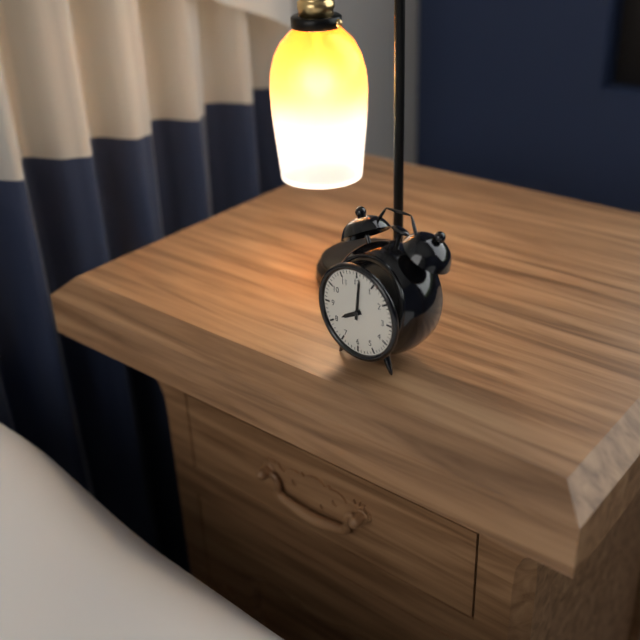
8.01
